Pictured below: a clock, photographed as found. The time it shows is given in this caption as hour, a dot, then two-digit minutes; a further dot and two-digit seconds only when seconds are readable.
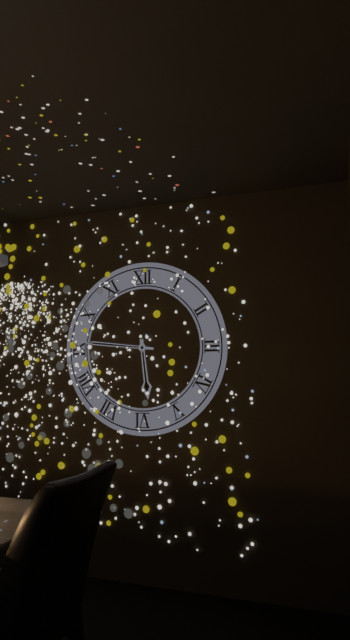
5.46
